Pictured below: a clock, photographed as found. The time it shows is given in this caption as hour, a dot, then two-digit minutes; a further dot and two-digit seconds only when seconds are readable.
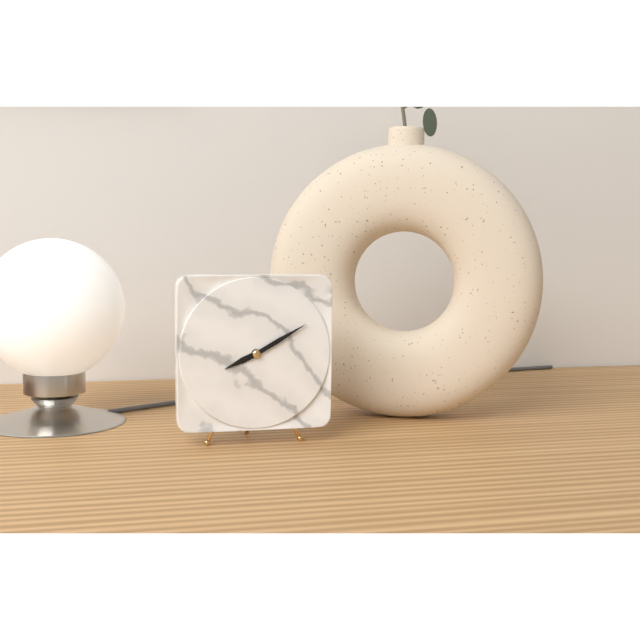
8.10
